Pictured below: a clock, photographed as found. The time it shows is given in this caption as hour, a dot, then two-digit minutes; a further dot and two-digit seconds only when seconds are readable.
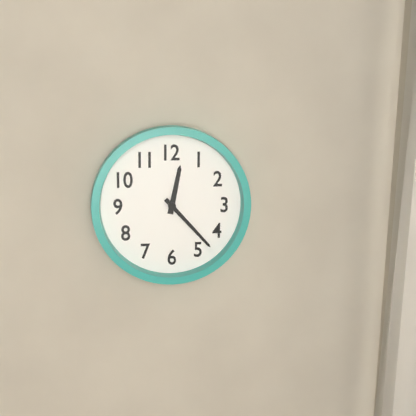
12.23
